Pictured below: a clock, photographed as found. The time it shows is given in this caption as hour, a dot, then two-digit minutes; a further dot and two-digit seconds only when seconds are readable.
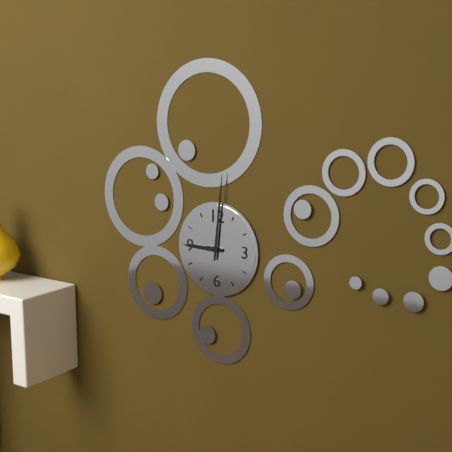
9.01
